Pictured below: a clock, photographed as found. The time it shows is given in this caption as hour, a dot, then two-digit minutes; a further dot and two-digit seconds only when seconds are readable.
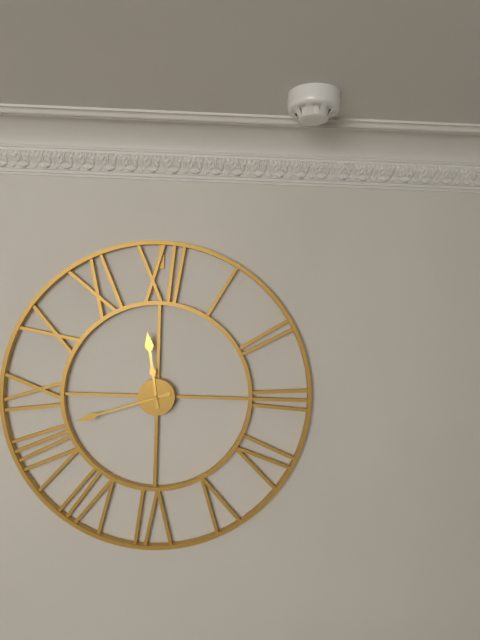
11.42
